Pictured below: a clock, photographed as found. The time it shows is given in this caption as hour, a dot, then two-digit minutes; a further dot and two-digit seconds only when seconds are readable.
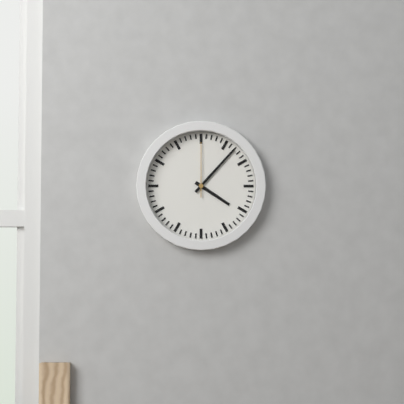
4.07.00
